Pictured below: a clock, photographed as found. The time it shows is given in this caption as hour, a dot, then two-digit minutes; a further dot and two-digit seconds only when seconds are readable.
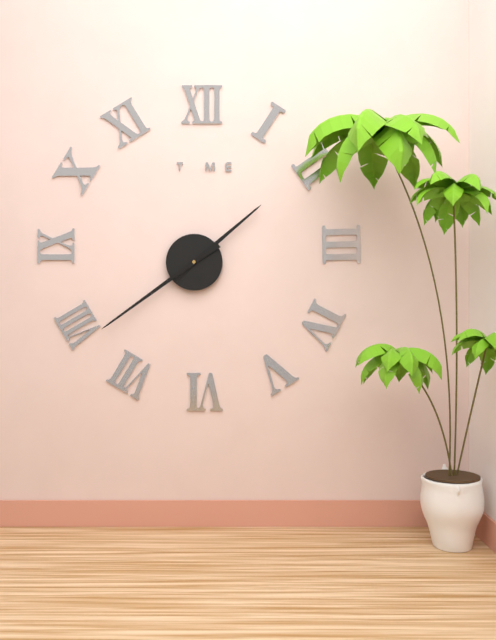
1.39
